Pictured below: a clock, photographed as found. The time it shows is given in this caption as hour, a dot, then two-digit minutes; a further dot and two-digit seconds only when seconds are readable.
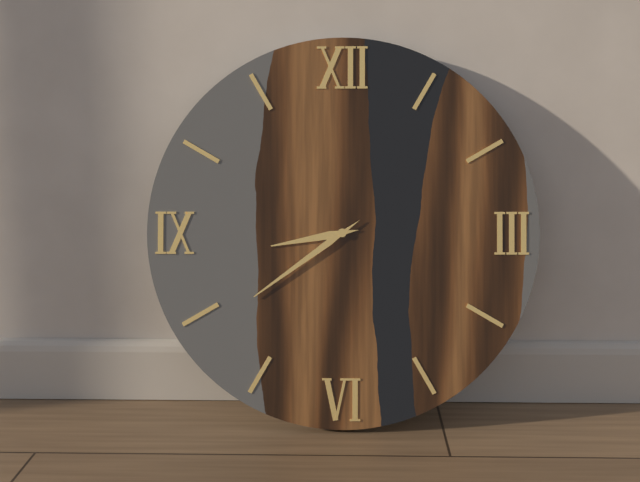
8.39
